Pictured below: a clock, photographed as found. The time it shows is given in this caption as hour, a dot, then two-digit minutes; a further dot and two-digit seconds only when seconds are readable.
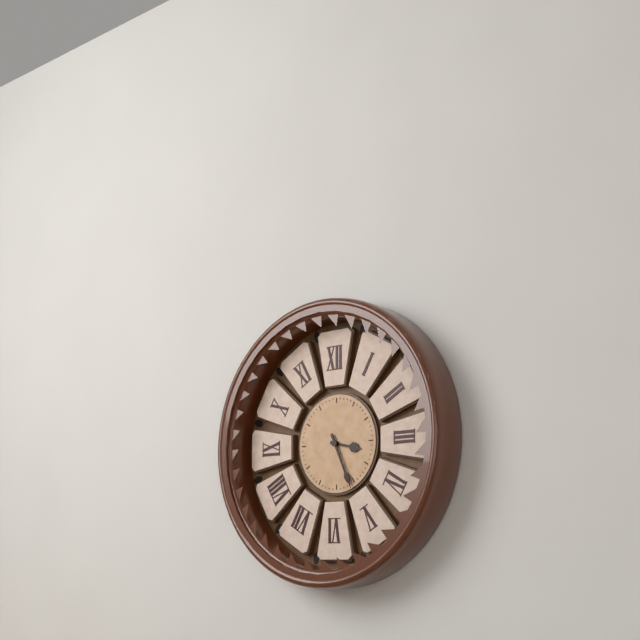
3.26
